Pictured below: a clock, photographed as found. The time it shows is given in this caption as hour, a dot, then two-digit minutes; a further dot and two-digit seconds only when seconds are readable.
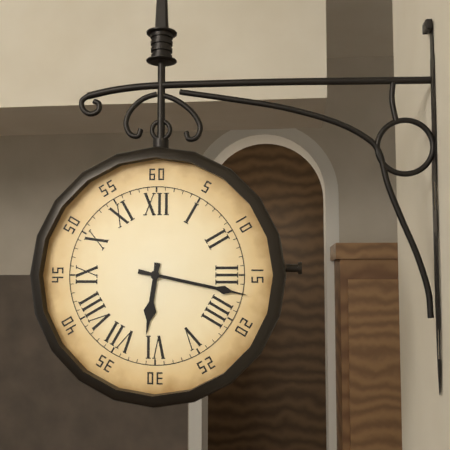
6.17
